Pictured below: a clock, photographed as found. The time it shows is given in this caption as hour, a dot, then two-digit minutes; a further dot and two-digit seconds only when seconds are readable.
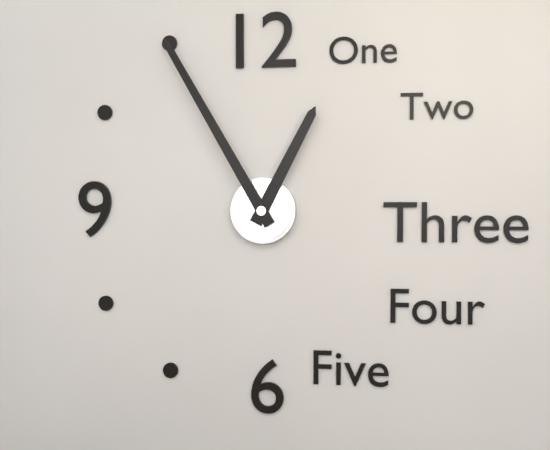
12.55
